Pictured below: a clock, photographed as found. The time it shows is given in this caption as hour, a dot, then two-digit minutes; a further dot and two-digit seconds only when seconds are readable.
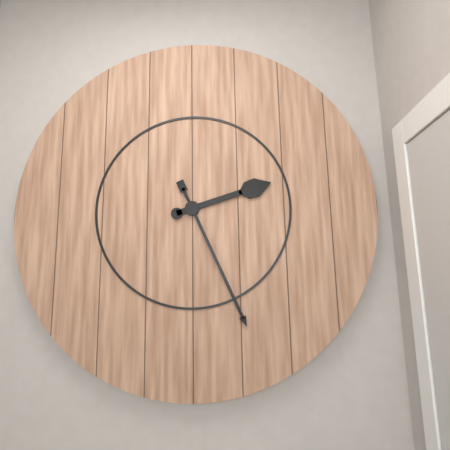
2.26
